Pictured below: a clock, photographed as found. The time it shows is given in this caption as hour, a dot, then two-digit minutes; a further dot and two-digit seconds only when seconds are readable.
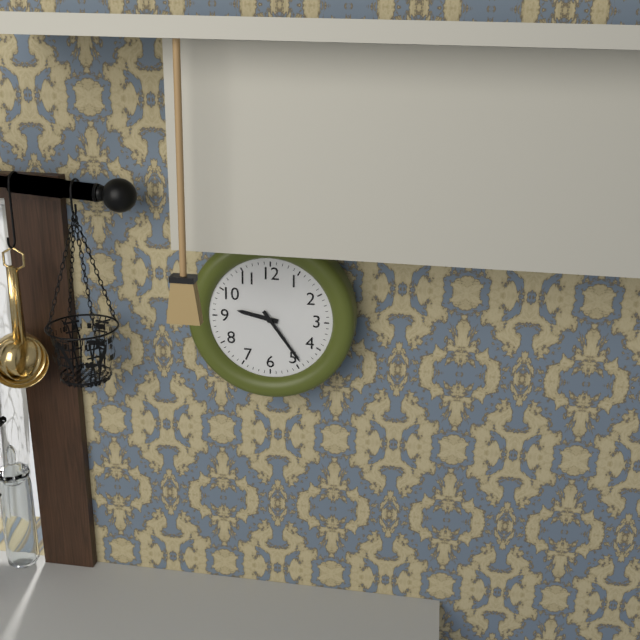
9.24
